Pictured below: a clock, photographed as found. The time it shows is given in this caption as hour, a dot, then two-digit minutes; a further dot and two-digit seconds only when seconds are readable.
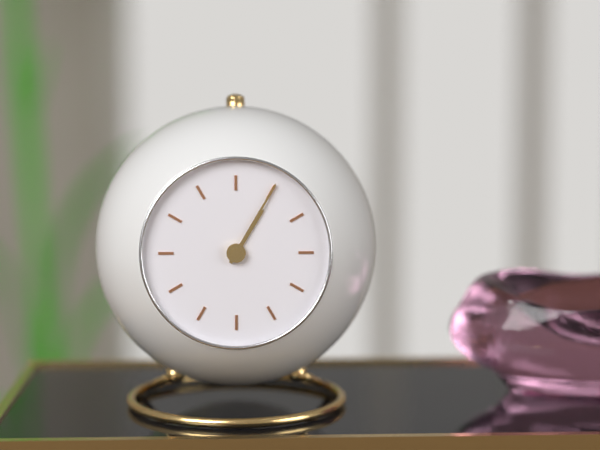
1.05
